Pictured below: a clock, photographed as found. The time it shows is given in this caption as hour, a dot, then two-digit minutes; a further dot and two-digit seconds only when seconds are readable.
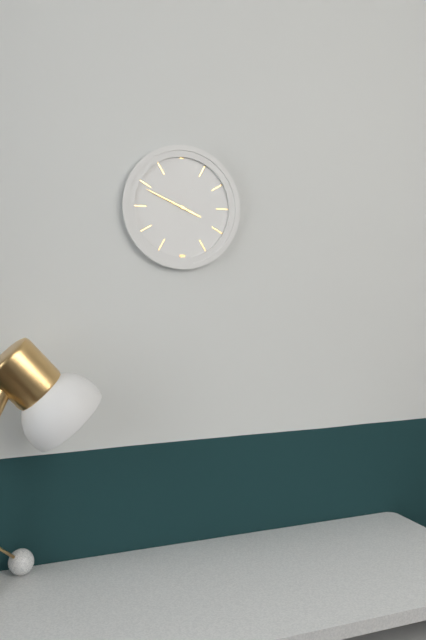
3.49.49
